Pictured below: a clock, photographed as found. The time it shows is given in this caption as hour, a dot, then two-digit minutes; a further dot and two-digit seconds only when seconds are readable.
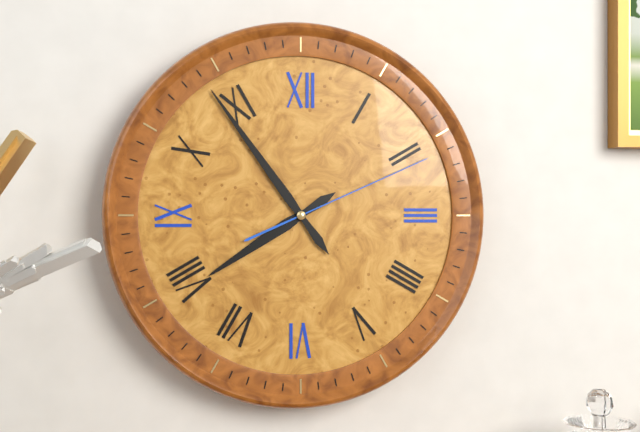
7.54.11
